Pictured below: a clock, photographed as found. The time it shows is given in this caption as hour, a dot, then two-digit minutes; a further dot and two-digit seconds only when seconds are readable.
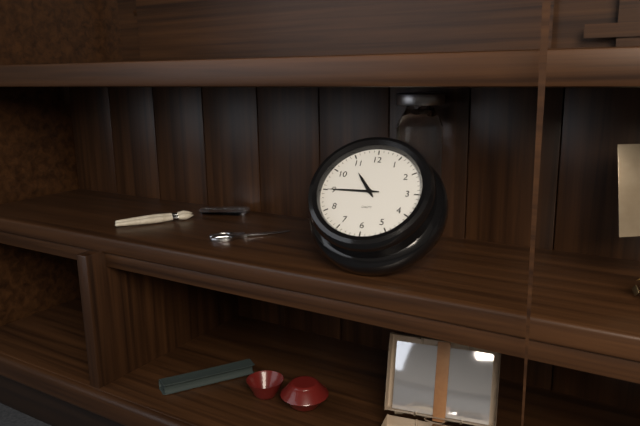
10.45
